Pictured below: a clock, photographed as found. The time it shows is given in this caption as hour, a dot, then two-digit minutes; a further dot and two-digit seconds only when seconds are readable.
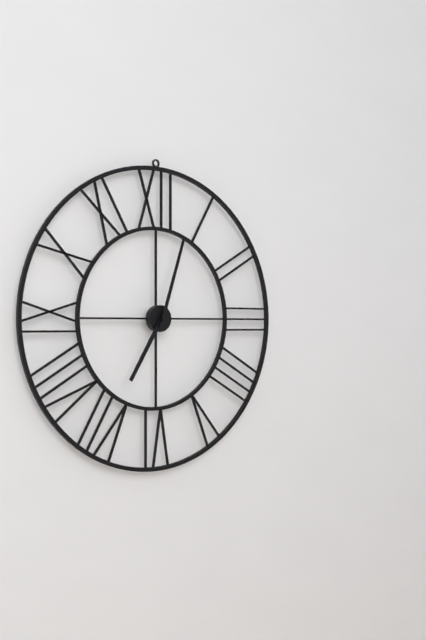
7.03
